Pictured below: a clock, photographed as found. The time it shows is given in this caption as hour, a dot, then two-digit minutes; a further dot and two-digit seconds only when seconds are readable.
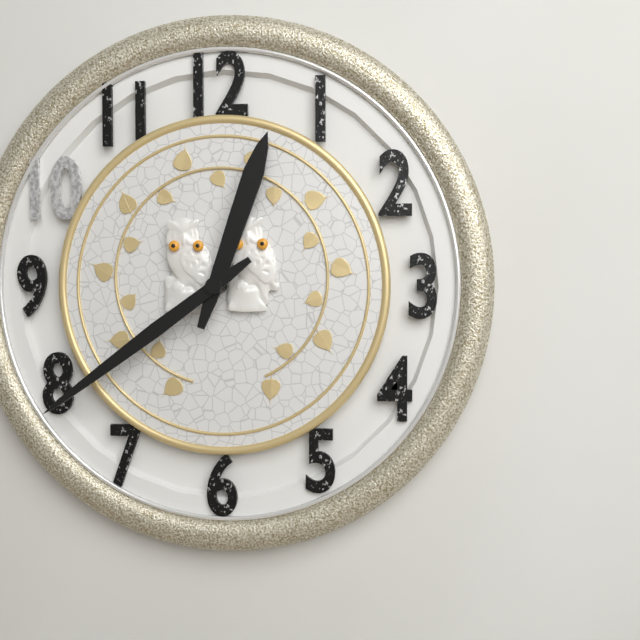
12.39
